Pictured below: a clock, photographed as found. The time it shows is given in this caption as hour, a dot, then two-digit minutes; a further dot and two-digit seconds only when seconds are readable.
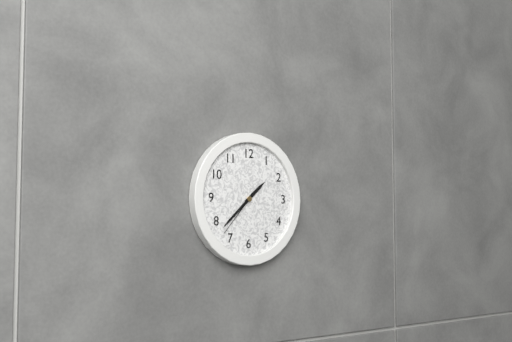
1.38.37
